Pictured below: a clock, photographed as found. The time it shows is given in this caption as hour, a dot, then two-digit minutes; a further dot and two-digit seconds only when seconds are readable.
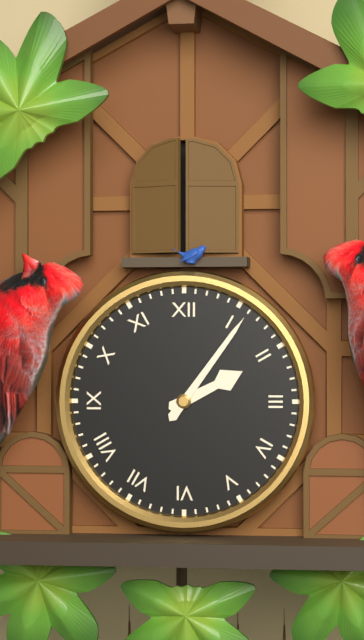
2.06
